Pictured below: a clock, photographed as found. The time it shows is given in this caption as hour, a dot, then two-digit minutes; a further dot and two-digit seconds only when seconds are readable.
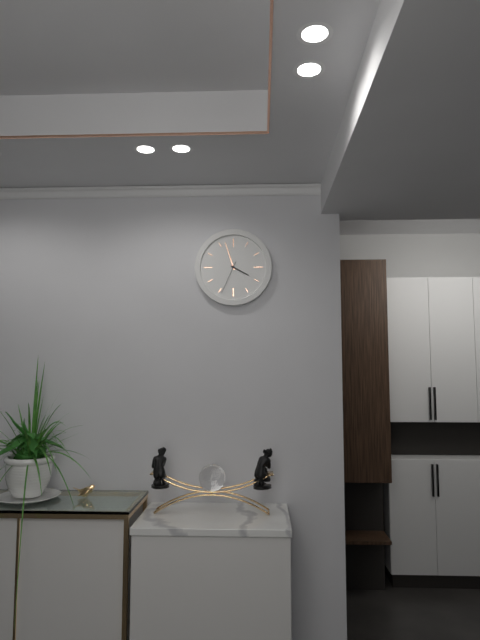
3.57
